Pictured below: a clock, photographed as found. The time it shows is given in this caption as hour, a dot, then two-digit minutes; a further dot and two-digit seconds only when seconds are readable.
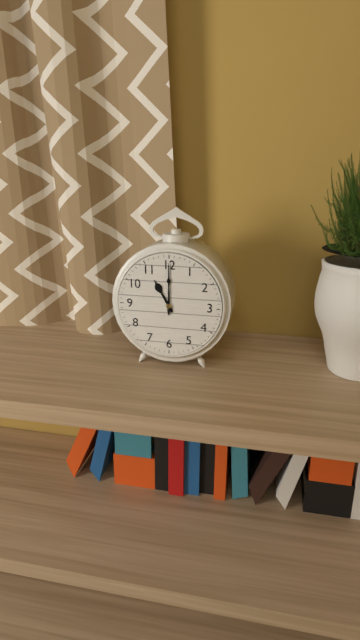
11.00
